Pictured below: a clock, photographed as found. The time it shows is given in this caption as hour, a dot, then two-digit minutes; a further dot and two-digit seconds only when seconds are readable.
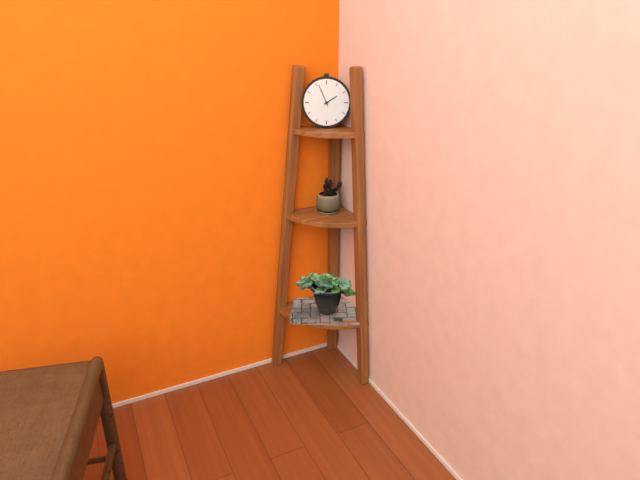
1.56
